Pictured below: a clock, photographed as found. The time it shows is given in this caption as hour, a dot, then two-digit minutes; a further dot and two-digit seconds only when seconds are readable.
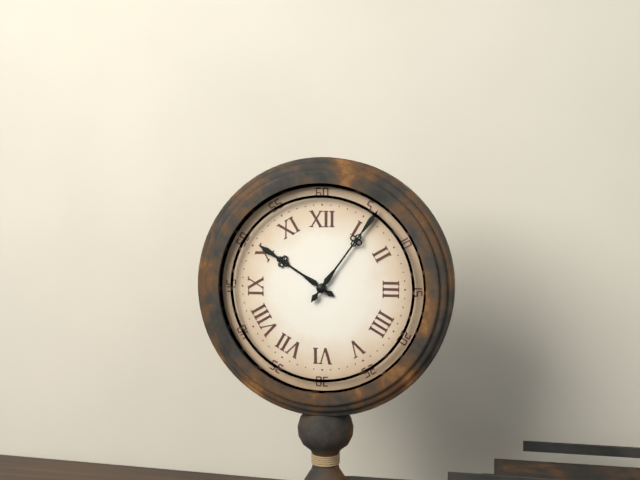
10.06
